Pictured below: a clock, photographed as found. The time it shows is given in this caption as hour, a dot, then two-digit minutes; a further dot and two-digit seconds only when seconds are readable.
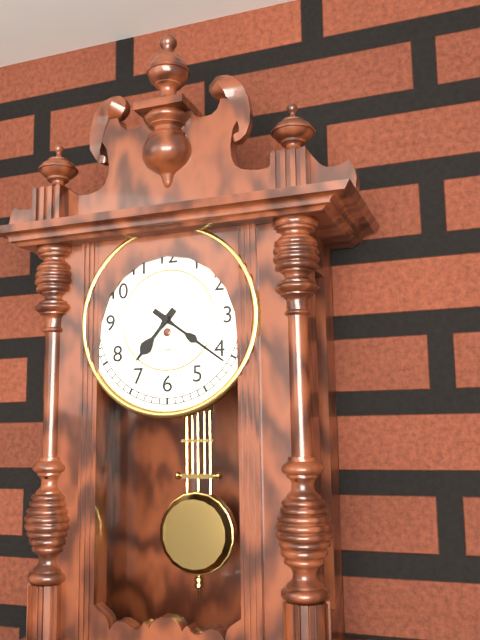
7.21
